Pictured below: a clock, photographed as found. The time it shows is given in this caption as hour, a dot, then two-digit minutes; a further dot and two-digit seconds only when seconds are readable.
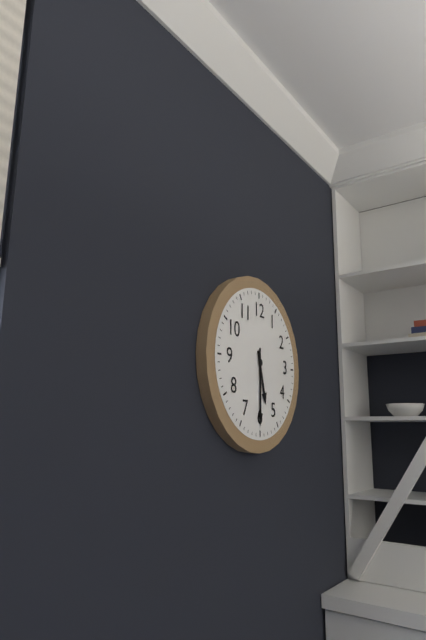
5.30
